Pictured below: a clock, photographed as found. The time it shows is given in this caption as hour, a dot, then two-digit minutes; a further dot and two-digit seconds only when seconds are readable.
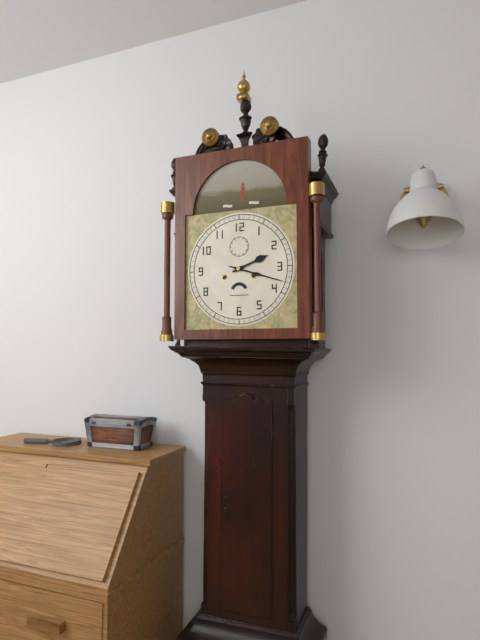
2.18
